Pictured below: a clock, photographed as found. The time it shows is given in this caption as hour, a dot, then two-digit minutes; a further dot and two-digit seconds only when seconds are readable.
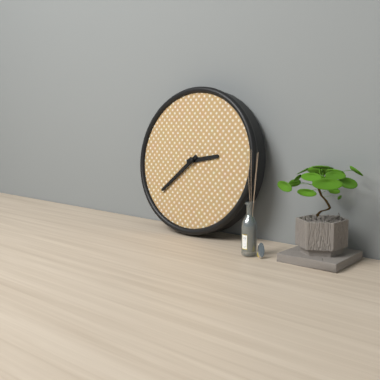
2.38
